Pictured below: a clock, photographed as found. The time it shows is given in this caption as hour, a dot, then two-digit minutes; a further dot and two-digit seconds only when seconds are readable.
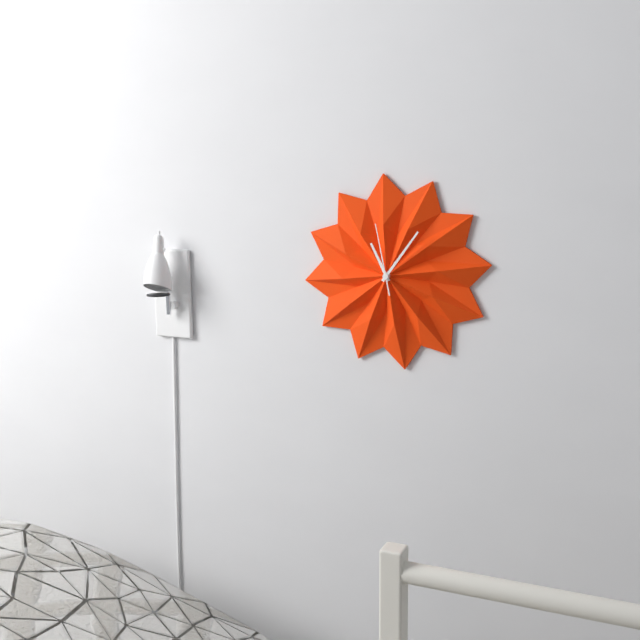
11.06.58
